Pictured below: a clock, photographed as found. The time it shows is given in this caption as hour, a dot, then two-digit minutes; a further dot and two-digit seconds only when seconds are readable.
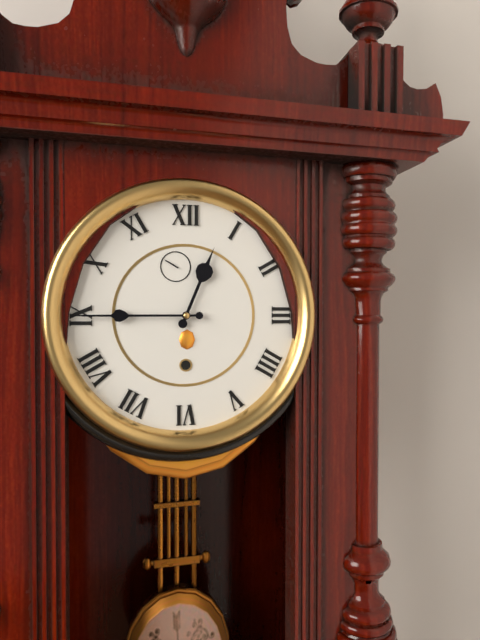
12.45
